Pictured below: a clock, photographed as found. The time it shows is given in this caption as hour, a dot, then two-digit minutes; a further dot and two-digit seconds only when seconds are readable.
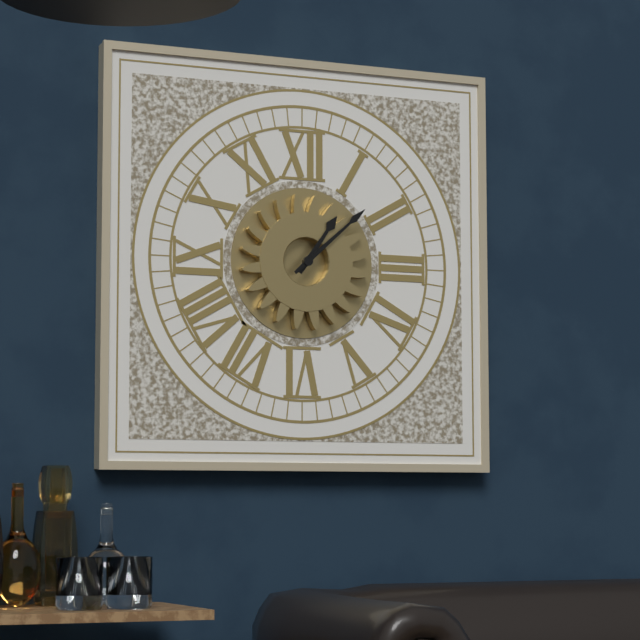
1.08
